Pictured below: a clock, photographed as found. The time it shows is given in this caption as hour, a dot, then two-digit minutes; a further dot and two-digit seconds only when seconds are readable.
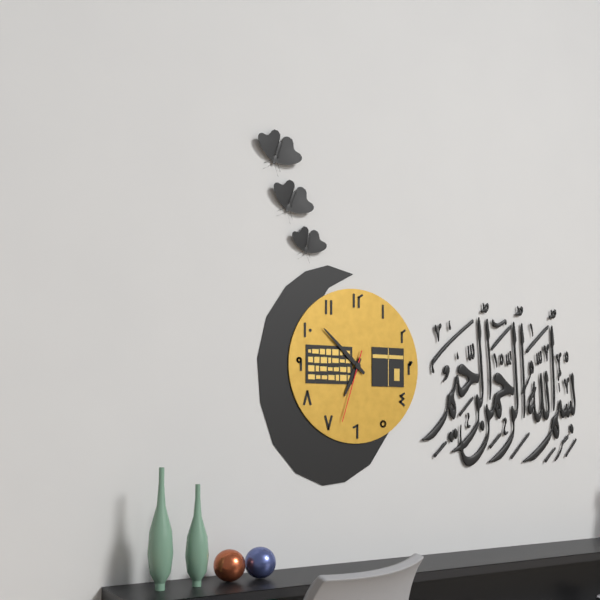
6.52.33
